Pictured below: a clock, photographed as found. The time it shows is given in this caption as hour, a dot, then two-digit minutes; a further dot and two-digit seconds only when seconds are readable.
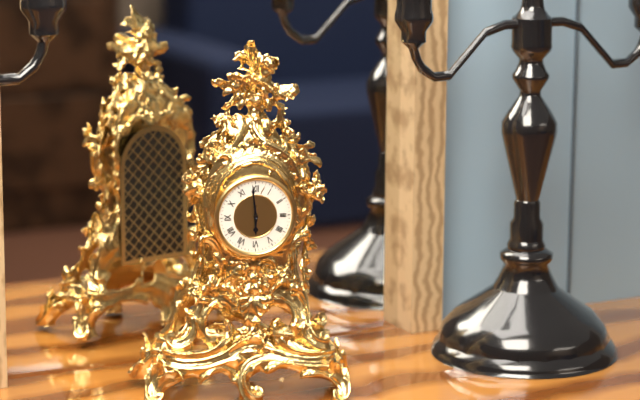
5.59
